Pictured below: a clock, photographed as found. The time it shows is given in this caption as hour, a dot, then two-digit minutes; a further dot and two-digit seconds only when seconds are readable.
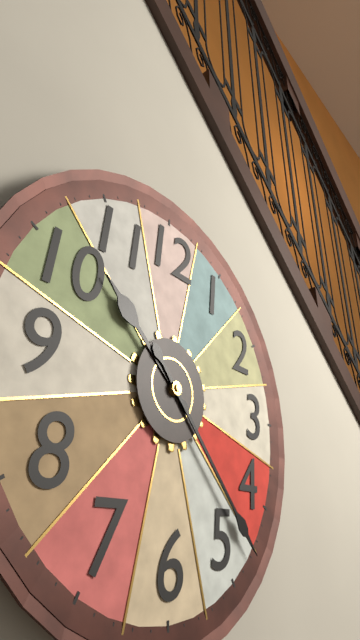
10.23
